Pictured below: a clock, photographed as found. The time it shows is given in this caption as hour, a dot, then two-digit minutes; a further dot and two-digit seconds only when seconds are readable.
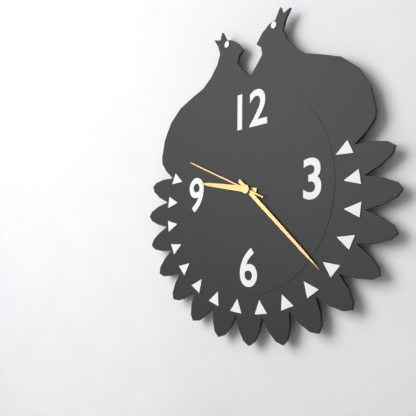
9.22.49
